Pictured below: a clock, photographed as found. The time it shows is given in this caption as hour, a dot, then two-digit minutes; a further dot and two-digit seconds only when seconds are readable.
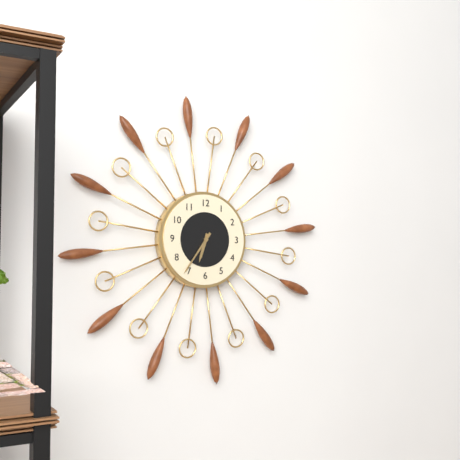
6.36
